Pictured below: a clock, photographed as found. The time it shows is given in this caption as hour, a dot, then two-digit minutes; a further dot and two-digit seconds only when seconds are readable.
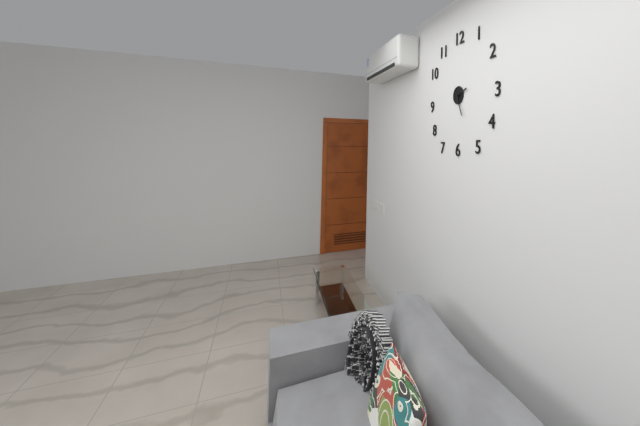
2.26
